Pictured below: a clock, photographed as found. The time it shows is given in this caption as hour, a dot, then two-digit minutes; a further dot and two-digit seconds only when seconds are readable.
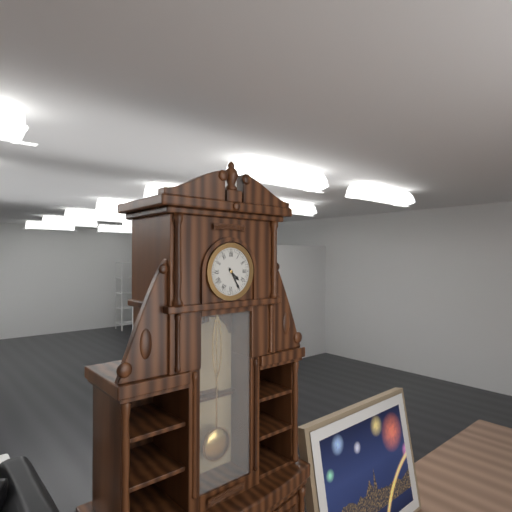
4.25
